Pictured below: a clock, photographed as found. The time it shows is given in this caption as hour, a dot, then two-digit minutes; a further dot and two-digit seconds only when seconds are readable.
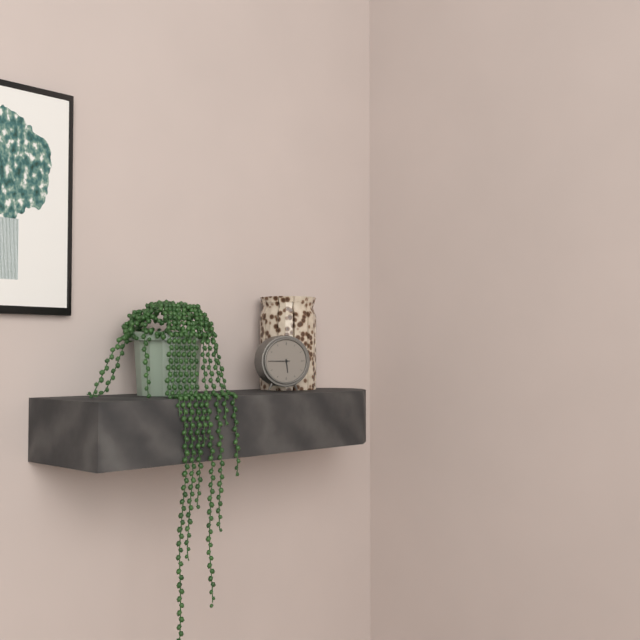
5.45
